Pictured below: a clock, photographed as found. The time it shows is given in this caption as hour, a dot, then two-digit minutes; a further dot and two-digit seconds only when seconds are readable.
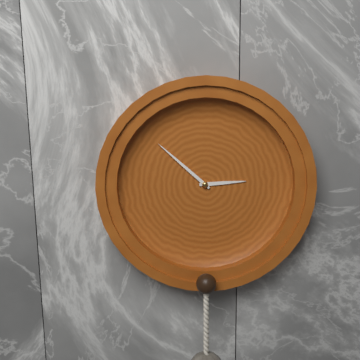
2.52
